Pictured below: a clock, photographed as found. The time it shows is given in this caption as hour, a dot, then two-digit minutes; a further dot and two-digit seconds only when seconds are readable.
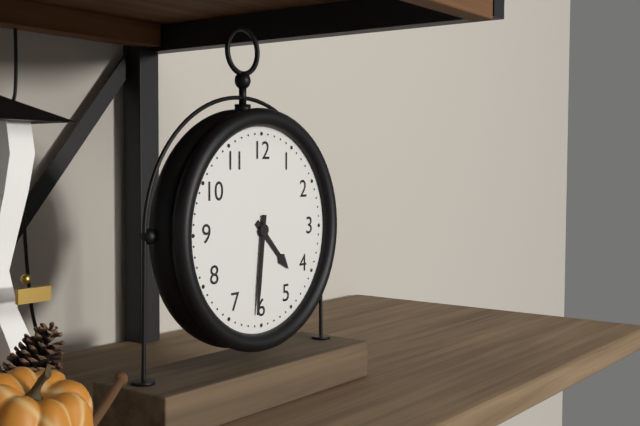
4.31
